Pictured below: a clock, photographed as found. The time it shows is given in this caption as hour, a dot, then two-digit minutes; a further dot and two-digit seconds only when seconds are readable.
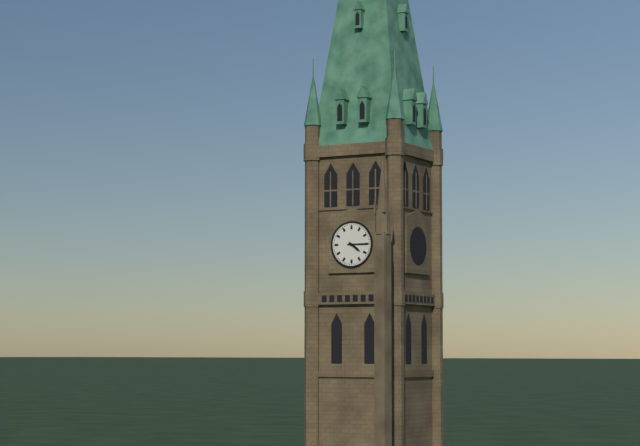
4.15
